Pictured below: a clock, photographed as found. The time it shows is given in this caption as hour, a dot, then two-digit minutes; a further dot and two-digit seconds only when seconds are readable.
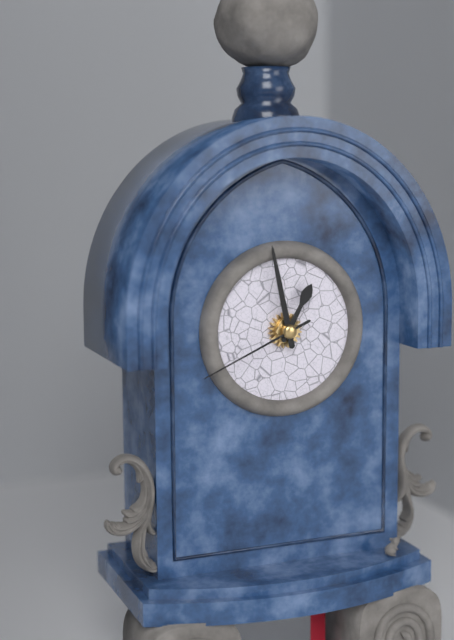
12.58.41
